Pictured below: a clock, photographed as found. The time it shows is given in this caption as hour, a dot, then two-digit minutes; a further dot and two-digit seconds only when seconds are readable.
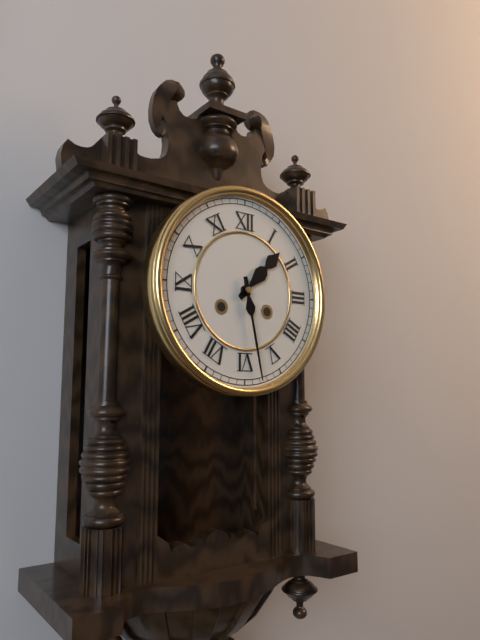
1.28
